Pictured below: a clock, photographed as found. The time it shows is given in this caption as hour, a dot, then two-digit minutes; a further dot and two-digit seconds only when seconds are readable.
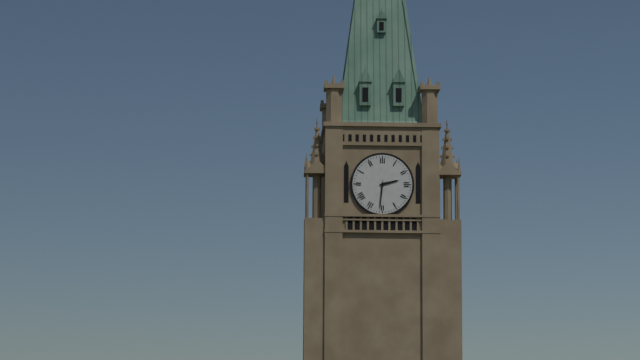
2.31
